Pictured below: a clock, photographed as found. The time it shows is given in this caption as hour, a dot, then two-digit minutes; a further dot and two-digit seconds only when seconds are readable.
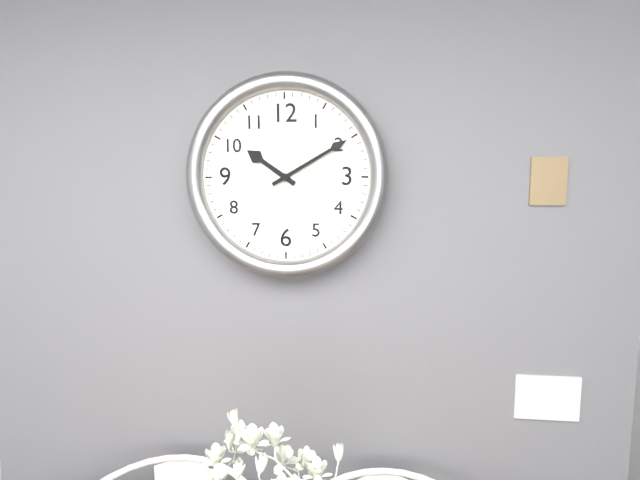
10.10
